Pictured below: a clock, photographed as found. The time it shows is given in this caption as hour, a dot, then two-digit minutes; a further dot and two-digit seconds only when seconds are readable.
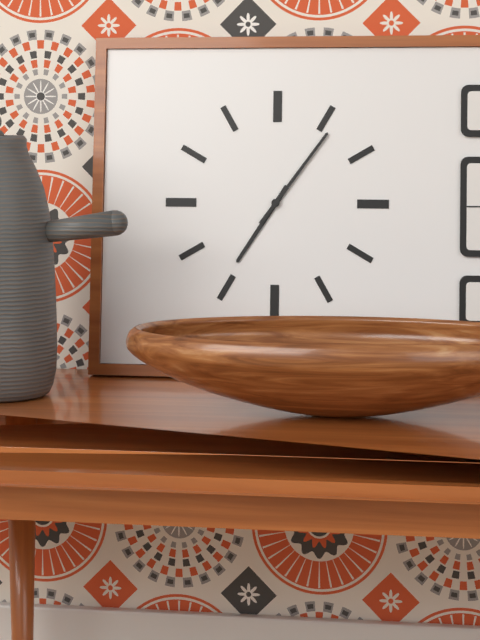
7.06
